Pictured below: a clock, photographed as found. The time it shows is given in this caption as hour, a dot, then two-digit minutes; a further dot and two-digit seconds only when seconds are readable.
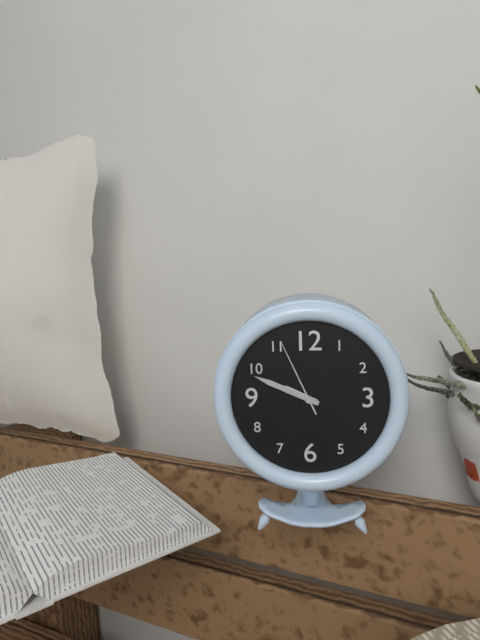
9.49.56
